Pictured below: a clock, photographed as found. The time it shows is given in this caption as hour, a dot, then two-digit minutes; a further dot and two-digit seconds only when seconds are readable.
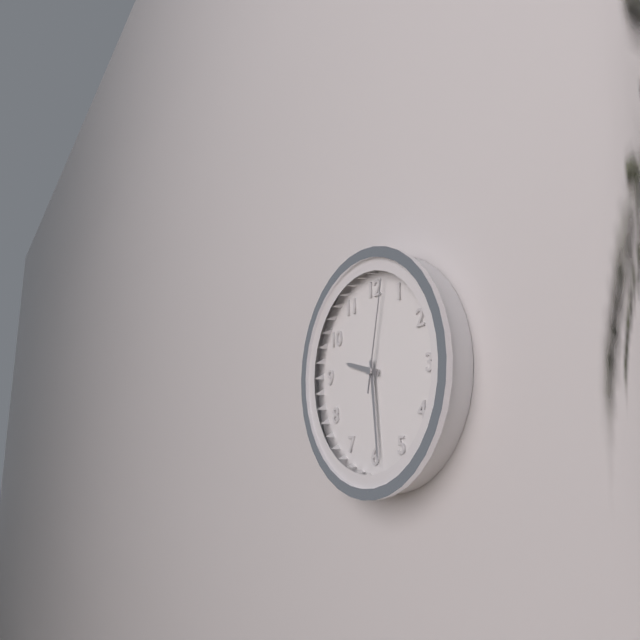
9.29.02
